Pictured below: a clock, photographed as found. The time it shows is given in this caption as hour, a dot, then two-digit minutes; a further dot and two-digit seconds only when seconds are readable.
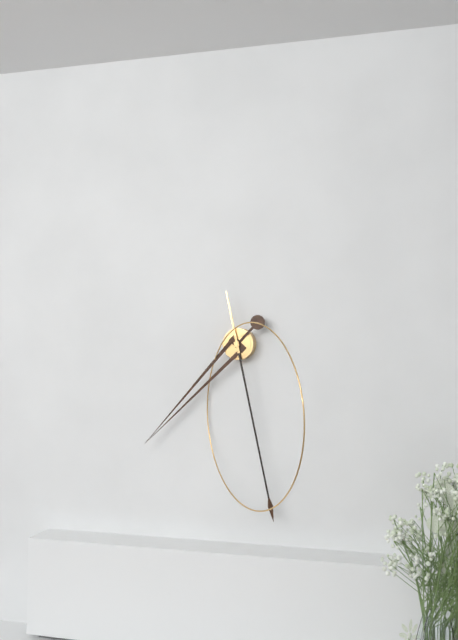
7.28
